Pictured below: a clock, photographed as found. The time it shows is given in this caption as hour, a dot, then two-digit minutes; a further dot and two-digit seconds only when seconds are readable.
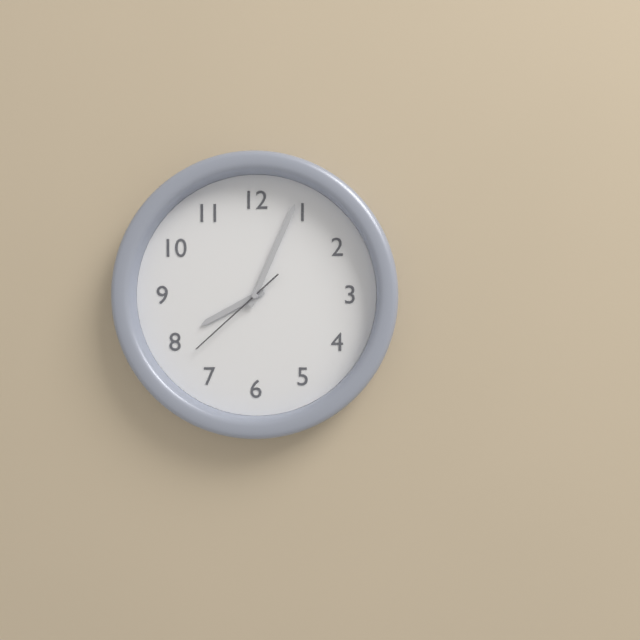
8.04.38
